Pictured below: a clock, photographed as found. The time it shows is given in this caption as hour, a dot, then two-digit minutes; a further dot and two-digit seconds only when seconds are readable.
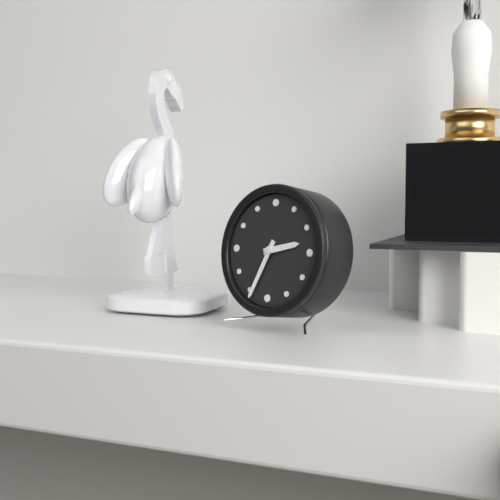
2.34
